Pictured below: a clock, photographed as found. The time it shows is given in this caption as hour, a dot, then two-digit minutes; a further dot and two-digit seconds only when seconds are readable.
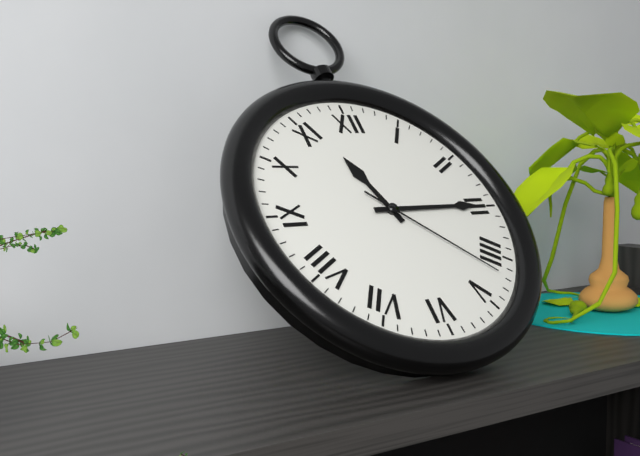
11.15.22
